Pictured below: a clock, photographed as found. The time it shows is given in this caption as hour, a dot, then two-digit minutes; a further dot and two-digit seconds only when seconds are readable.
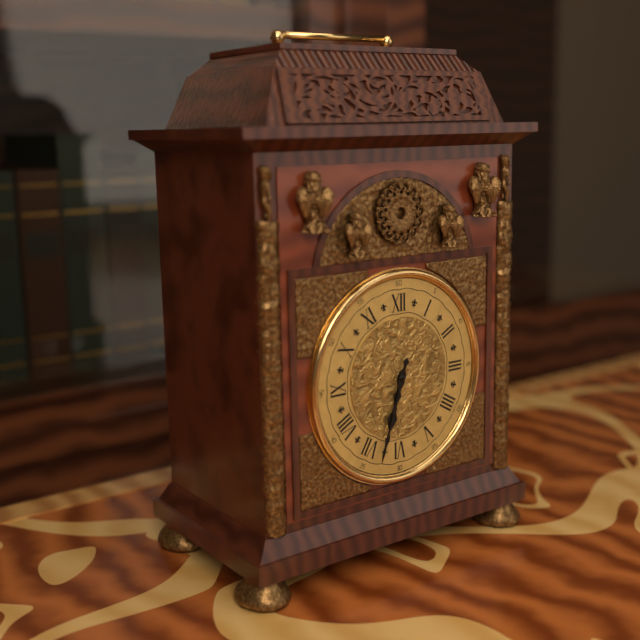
6.33
